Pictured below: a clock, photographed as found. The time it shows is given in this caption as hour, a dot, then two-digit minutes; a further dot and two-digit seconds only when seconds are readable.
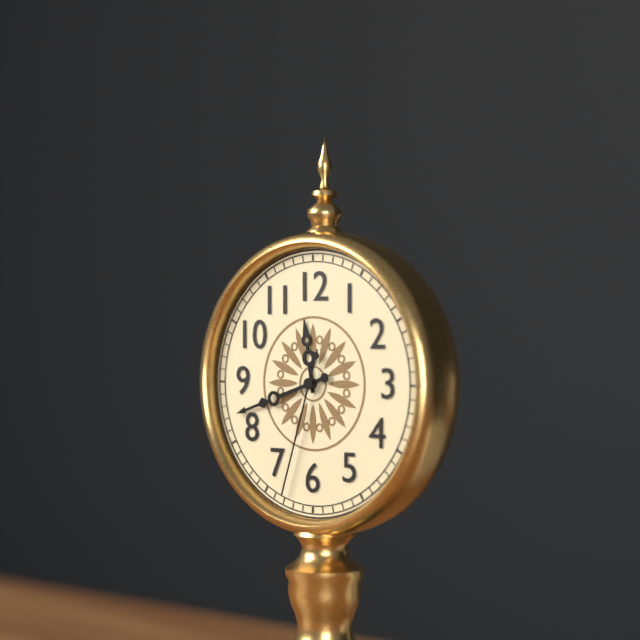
11.42.33
